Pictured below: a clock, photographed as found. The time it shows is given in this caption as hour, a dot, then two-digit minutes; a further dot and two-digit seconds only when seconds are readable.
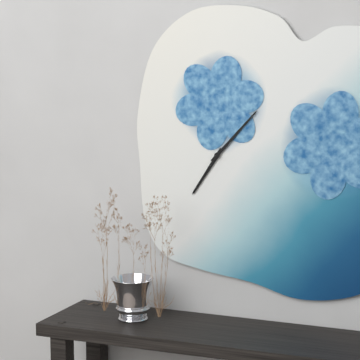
7.07
